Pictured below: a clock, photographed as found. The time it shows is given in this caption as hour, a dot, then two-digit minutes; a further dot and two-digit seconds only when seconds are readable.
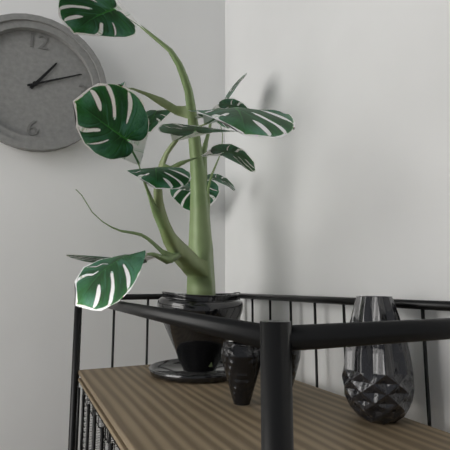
1.11
